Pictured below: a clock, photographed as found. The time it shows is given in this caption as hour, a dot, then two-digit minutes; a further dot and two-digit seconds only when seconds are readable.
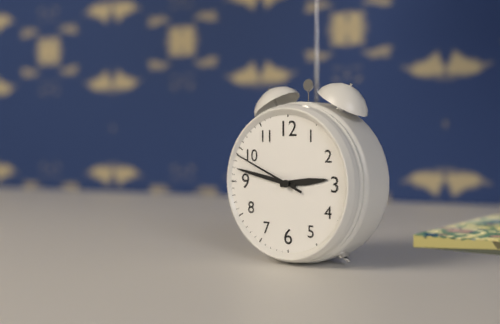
2.47.49
